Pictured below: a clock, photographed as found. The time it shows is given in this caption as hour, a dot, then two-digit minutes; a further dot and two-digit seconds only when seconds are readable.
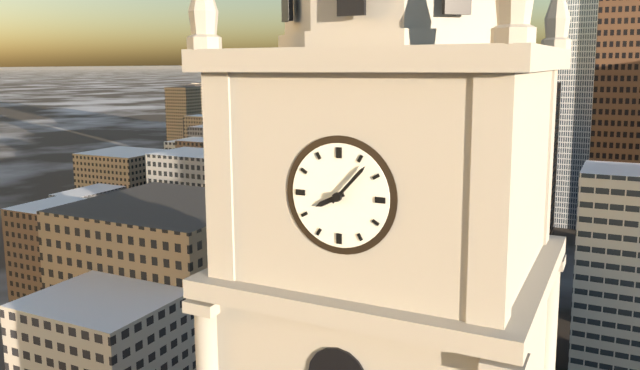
8.07
